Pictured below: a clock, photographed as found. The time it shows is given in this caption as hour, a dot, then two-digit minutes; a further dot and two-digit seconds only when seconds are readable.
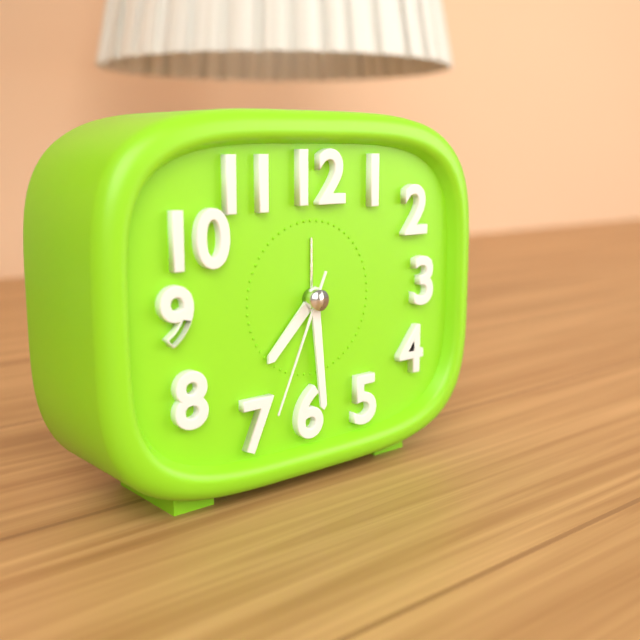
7.29.34
